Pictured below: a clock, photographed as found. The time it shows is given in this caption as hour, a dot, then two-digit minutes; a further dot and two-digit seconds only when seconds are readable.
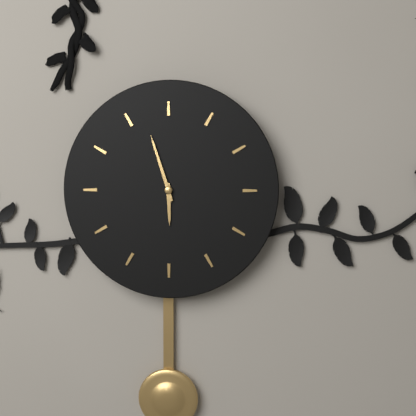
5.57
